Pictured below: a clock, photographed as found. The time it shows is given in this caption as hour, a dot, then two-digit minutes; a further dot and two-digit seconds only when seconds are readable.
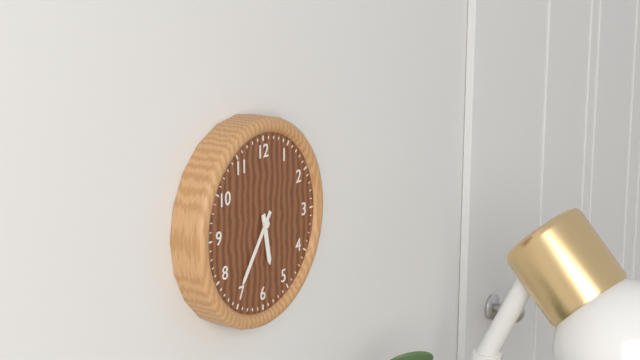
5.36
